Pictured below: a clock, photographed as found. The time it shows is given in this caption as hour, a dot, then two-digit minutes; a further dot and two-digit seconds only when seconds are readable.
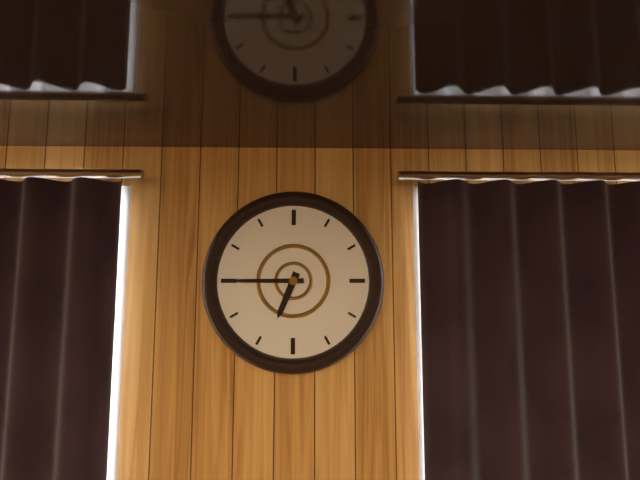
6.45
